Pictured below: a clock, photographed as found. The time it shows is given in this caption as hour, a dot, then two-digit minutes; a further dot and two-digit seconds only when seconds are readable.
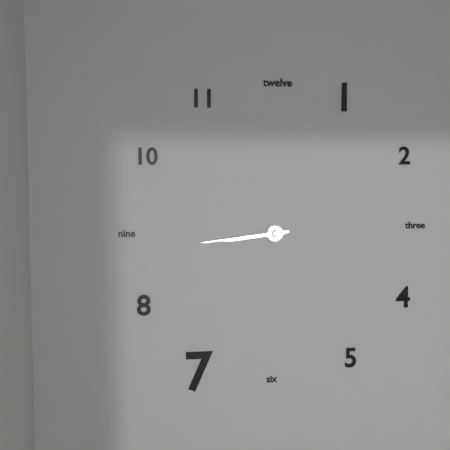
8.44
